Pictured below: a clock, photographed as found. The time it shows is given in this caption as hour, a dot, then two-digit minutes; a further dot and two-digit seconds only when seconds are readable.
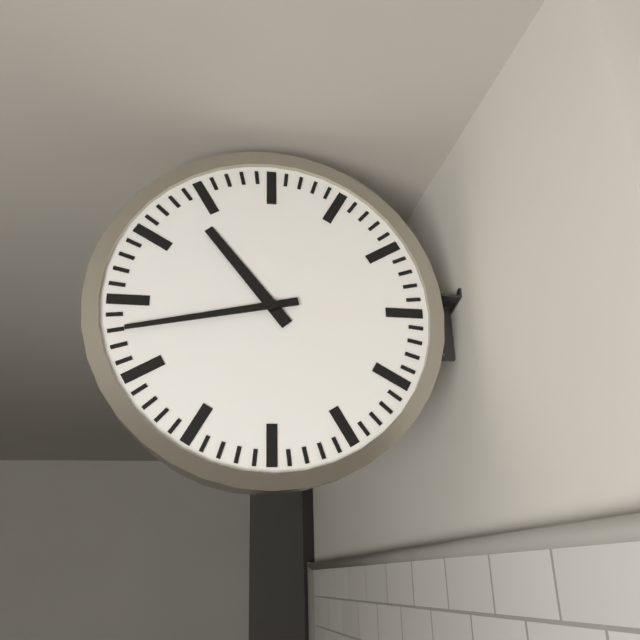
10.43
